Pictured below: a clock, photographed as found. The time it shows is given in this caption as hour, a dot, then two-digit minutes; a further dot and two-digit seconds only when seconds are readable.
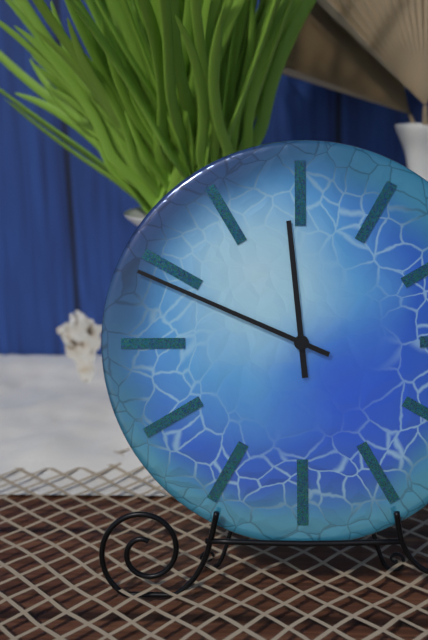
11.49
